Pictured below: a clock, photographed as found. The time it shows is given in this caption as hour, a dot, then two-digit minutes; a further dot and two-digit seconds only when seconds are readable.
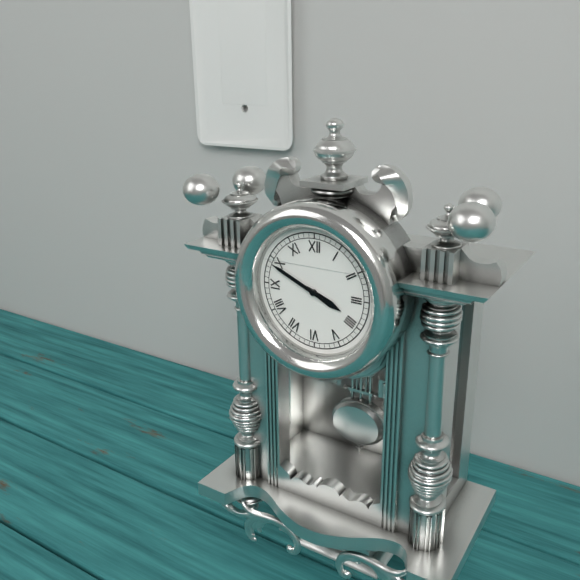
3.49
